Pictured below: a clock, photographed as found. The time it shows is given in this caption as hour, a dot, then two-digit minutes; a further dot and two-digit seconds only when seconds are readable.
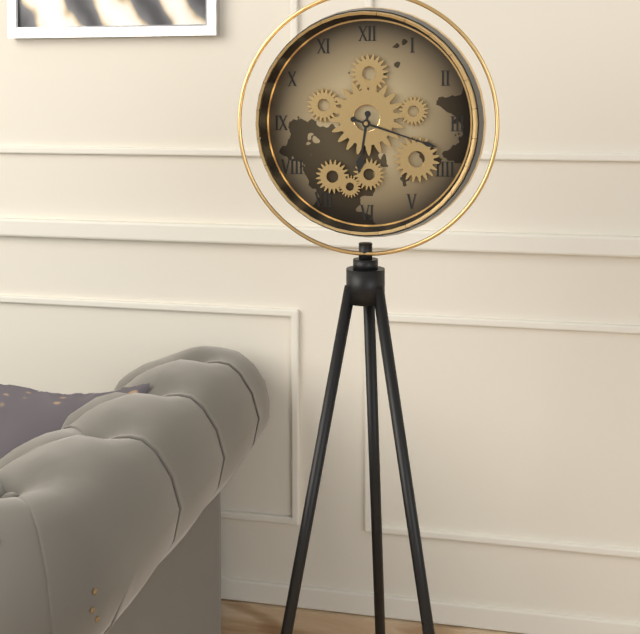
6.18
